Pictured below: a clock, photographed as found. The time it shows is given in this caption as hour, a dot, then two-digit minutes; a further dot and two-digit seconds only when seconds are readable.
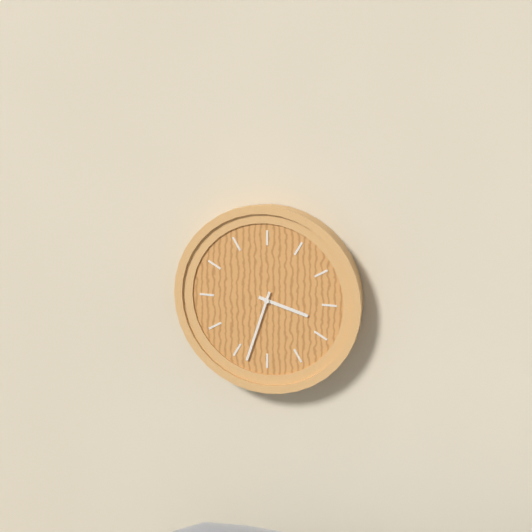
3.33
